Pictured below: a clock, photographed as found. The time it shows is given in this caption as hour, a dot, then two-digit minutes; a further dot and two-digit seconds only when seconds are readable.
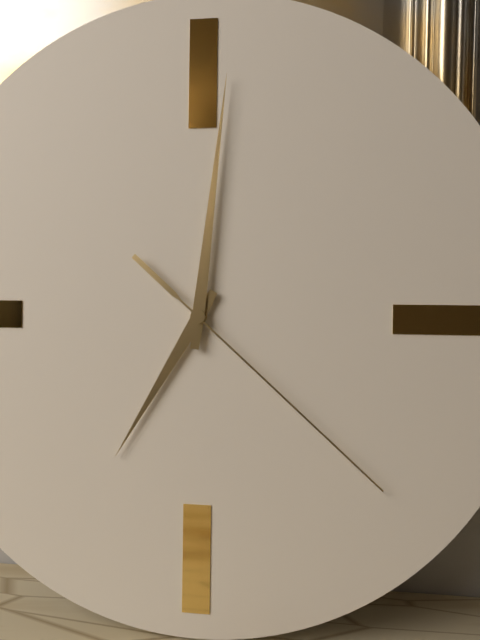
7.01.22
